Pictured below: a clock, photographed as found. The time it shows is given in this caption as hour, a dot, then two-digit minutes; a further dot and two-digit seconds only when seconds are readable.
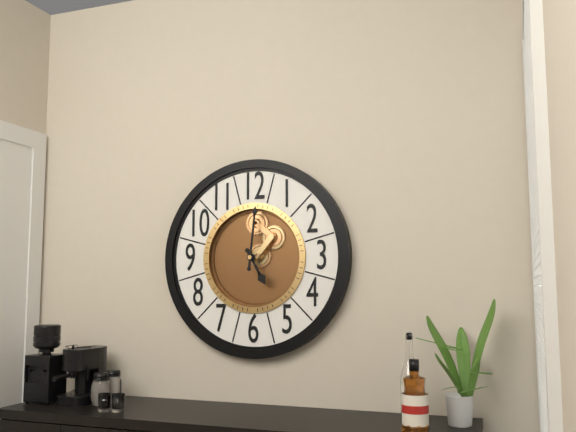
5.01
